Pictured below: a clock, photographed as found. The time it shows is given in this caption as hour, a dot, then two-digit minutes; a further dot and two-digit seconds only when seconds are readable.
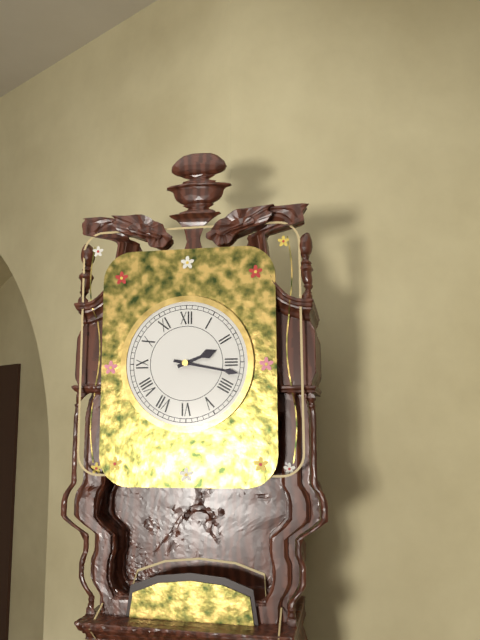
2.17
